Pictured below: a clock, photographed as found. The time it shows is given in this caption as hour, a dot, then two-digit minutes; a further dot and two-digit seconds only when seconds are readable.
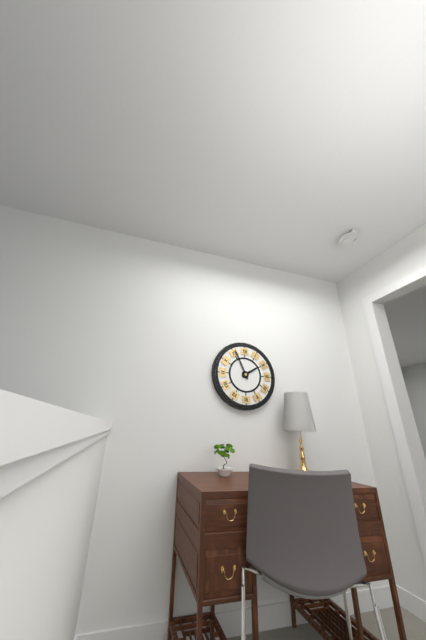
1.56
